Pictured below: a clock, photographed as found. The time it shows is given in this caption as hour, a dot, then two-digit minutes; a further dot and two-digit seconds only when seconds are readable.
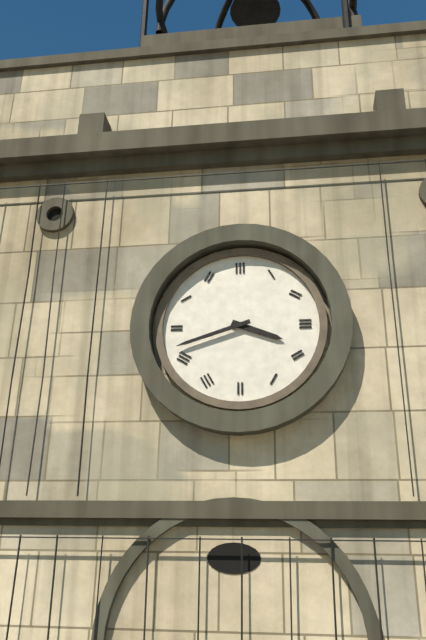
3.42
